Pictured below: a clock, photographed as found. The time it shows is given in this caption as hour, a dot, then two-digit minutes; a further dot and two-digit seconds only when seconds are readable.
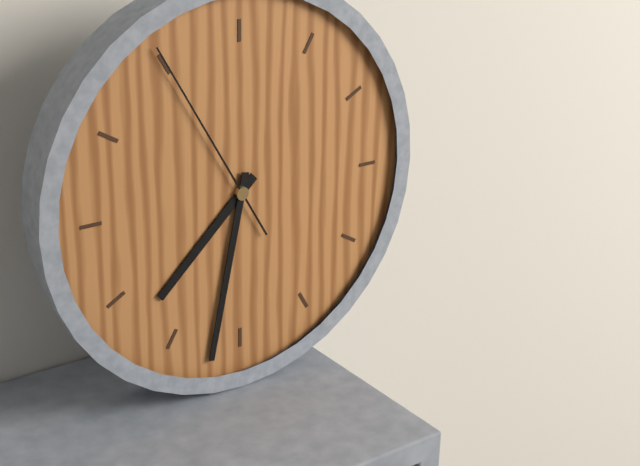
7.32.55
